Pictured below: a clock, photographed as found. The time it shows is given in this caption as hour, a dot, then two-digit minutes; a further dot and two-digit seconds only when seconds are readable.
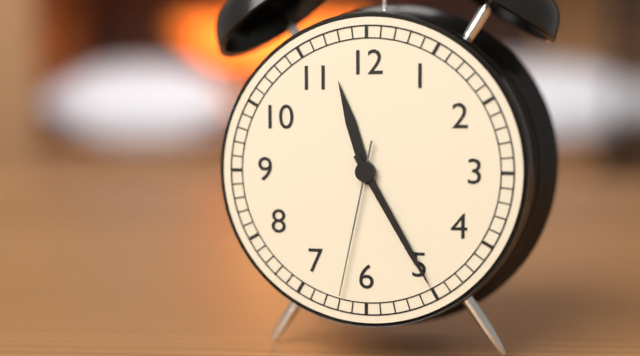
11.25.32
